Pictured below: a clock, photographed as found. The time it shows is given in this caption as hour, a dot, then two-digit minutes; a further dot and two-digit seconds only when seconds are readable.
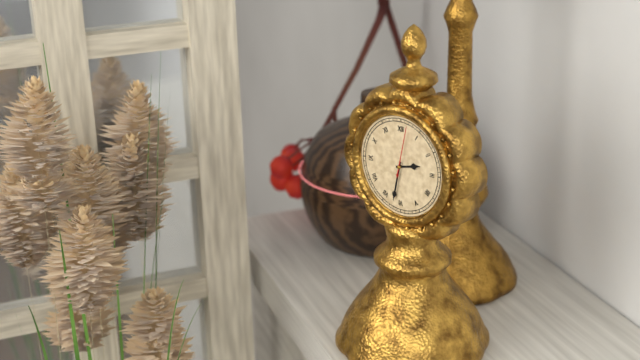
2.32.02
